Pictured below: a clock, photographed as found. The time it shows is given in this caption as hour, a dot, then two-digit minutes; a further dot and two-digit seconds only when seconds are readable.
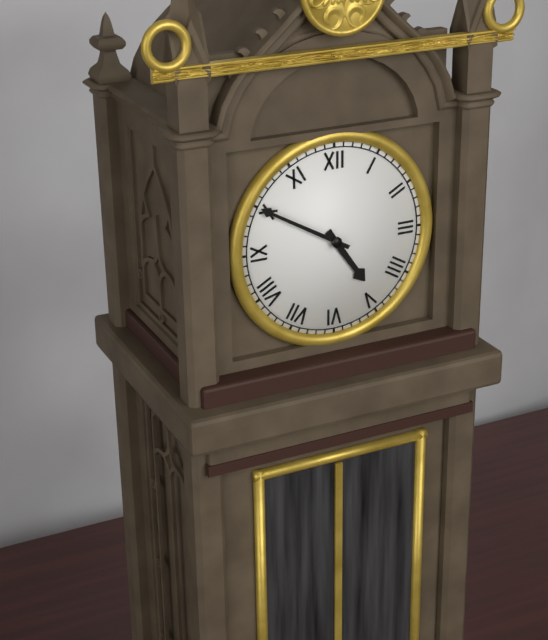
4.50
